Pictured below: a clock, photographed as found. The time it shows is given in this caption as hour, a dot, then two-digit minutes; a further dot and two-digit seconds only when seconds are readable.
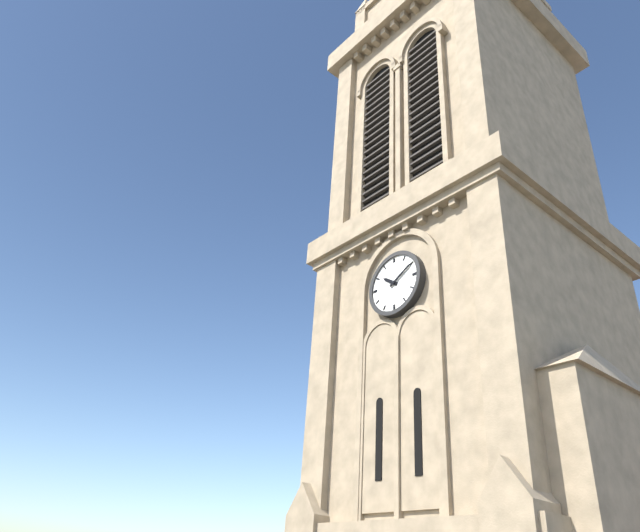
10.10
